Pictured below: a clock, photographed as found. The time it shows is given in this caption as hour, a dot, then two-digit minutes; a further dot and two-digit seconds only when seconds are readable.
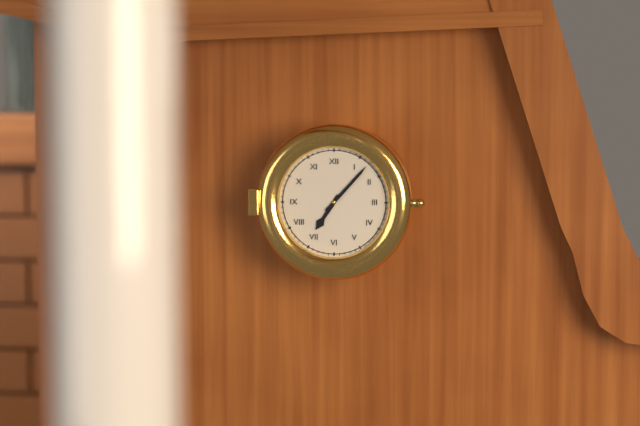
7.07
